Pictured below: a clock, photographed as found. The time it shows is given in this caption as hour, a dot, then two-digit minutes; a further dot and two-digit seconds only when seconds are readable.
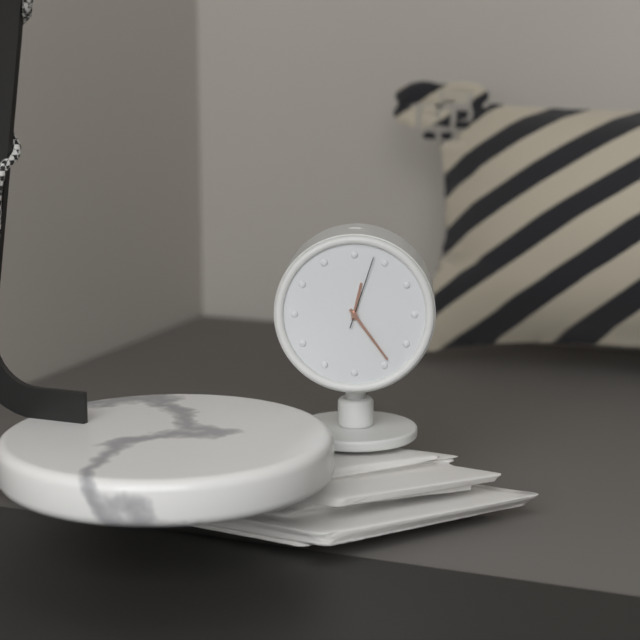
12.24.03
